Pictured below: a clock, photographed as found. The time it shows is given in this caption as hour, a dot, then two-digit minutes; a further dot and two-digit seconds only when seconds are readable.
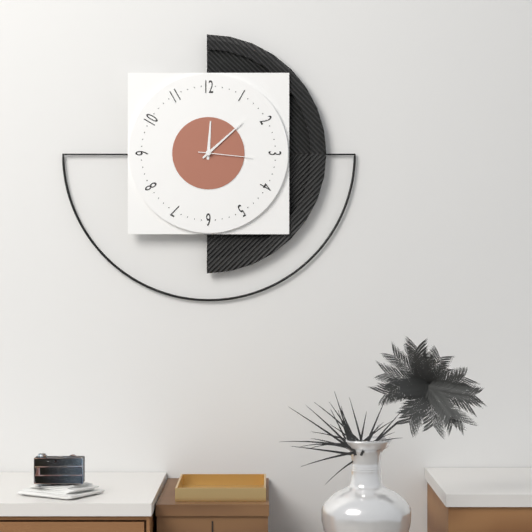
12.08.16
